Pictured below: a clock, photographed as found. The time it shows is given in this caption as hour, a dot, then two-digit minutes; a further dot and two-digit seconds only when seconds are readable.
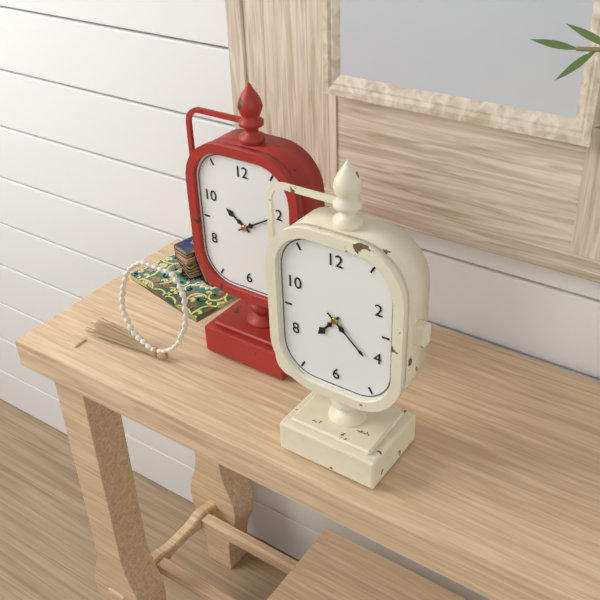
7.22
